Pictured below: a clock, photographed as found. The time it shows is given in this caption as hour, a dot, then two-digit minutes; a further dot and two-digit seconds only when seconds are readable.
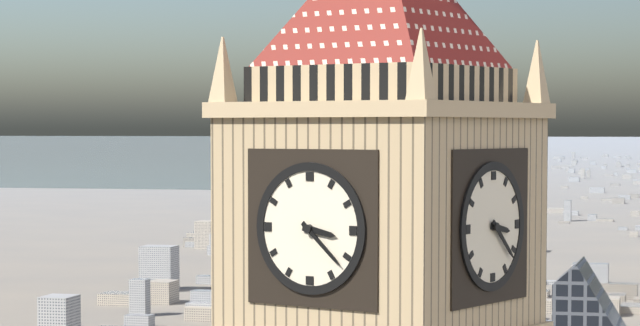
3.22
